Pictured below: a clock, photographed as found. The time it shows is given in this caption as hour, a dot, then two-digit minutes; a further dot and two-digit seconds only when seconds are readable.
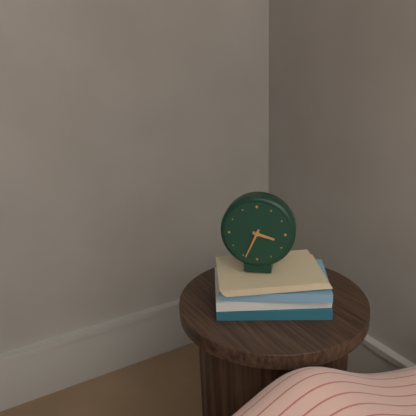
3.34
